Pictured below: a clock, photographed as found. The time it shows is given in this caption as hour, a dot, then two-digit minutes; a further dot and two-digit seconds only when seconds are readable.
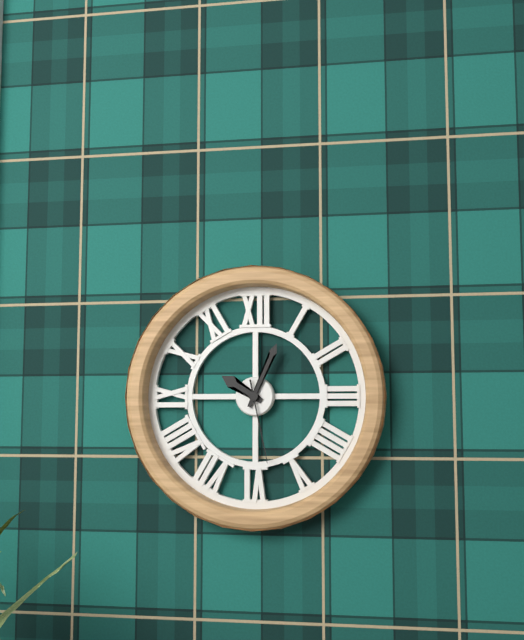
10.04.28
